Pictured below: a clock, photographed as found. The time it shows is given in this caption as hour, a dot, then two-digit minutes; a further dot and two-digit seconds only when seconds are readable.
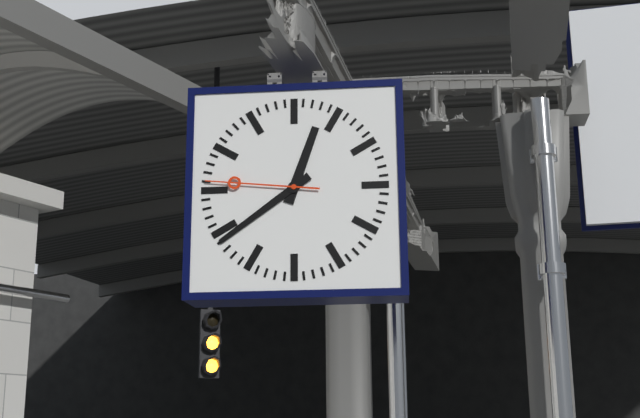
12.39.46
